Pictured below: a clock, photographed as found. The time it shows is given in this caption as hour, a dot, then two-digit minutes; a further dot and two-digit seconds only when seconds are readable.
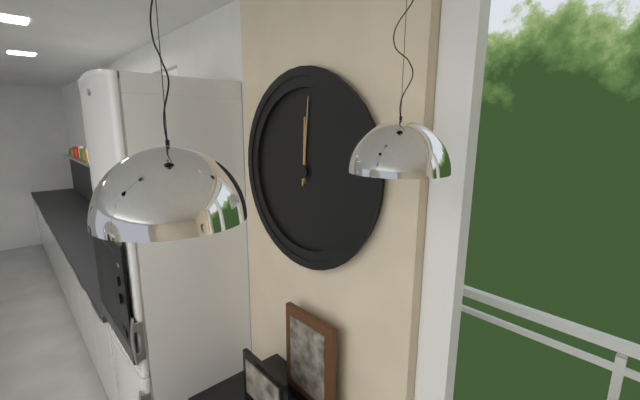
12.01
